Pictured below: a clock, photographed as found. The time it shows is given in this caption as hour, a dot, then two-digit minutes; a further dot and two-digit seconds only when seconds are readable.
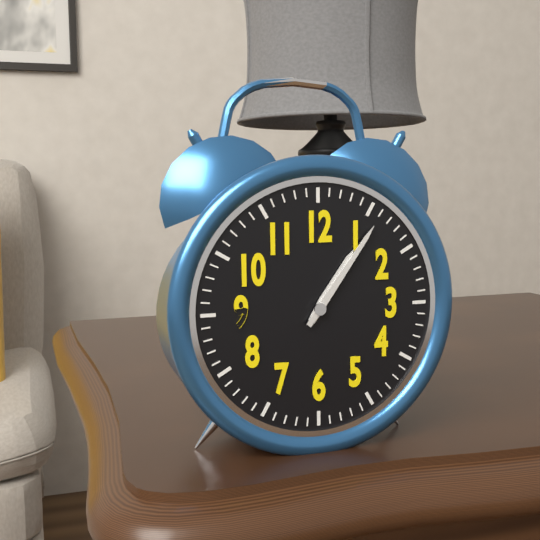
1.06
